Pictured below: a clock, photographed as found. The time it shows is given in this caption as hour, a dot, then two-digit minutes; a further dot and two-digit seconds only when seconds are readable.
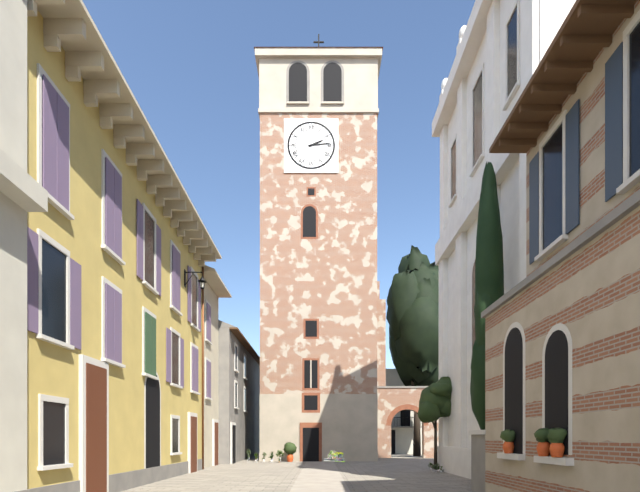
2.14
